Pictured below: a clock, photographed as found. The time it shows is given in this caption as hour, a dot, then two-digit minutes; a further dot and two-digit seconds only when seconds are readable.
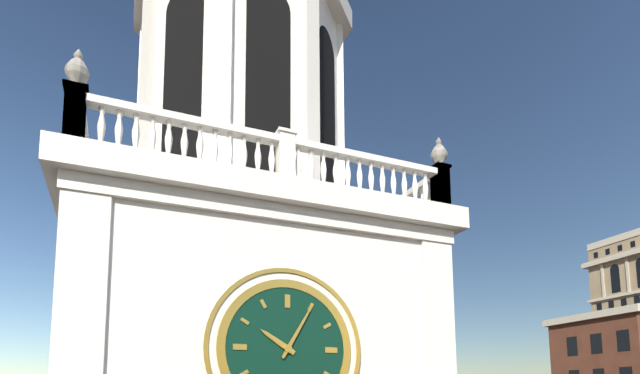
10.05
